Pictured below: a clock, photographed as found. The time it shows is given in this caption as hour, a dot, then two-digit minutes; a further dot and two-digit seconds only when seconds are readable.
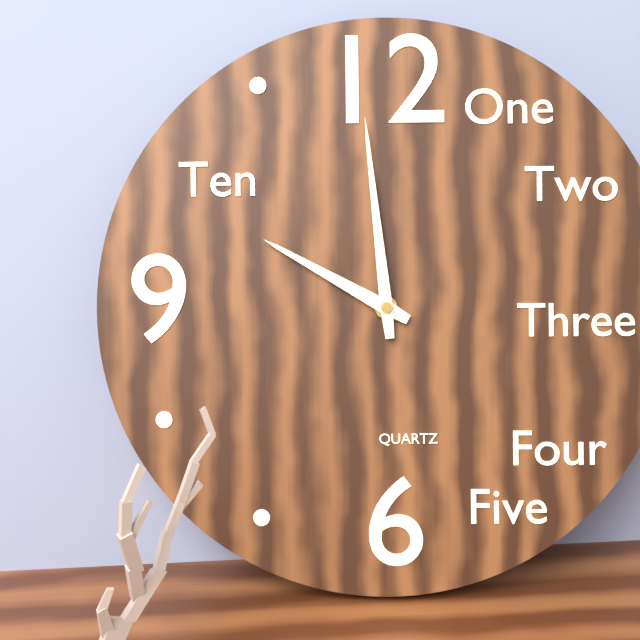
9.59
